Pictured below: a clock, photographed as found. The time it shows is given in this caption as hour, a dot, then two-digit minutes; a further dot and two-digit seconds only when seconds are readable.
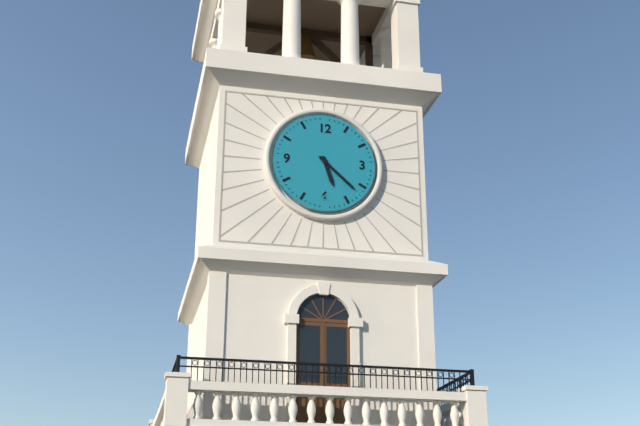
5.22
